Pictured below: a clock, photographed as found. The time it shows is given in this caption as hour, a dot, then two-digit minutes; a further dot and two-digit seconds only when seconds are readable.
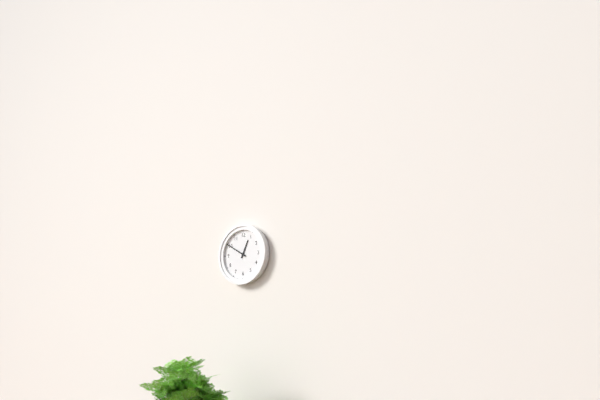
12.50
